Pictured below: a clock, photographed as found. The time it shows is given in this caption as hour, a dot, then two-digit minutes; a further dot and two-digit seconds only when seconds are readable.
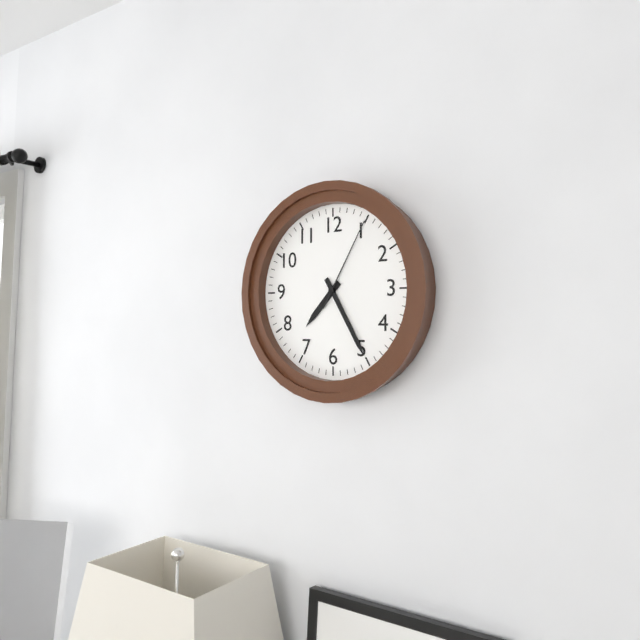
7.25.05
